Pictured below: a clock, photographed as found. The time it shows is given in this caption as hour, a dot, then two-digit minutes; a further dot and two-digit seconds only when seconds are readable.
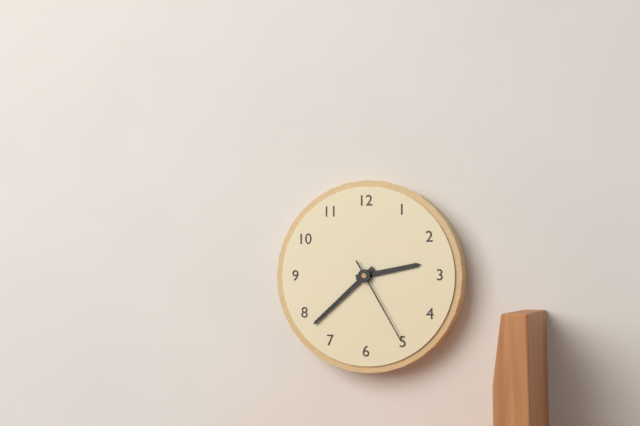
2.38.25
